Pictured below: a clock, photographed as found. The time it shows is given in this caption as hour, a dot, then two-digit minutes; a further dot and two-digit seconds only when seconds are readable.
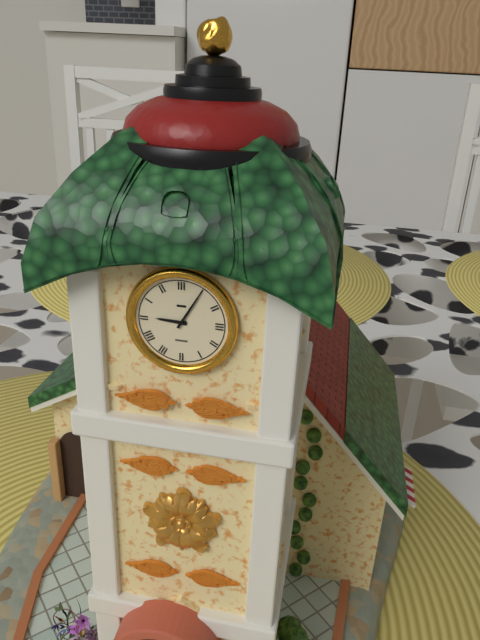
9.05
